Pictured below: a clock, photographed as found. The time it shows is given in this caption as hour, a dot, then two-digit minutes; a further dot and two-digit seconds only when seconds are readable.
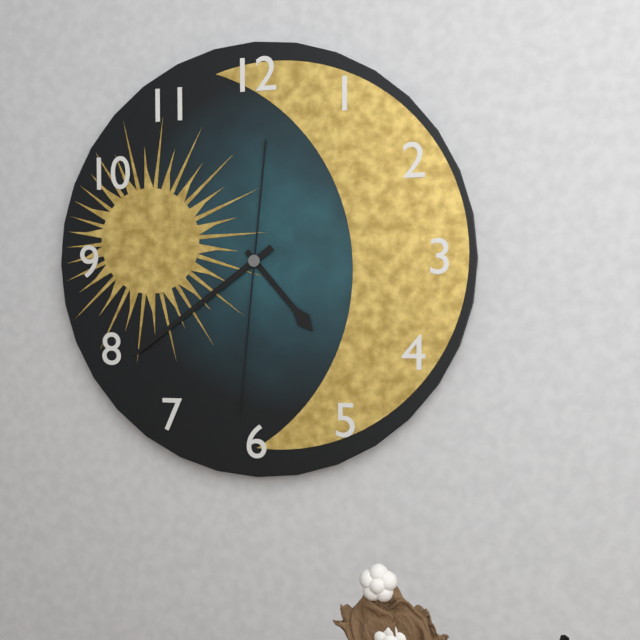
4.39.31
